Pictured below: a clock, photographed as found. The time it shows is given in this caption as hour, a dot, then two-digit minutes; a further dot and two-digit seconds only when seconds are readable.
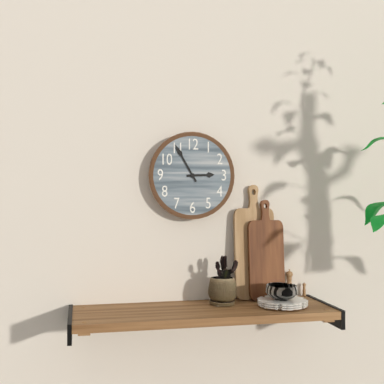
2.55
